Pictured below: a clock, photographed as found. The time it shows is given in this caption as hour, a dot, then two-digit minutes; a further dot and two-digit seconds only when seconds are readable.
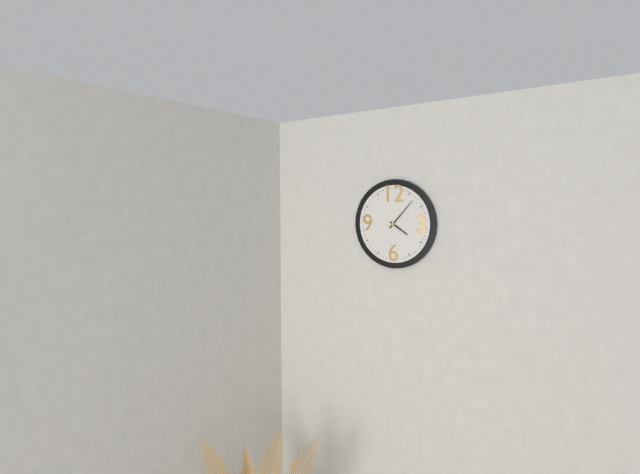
4.07
